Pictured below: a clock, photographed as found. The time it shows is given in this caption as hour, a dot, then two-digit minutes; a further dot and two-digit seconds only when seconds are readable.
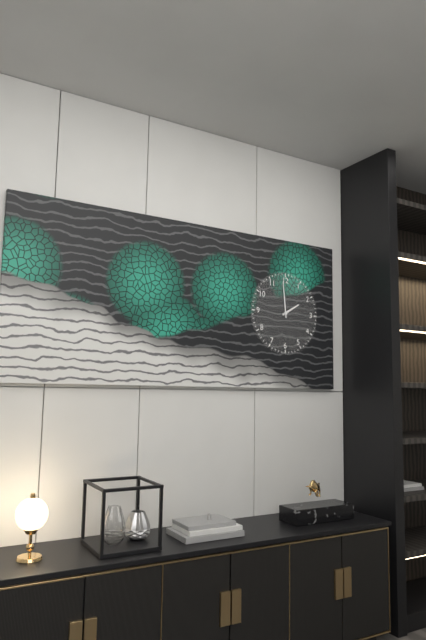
1.59
